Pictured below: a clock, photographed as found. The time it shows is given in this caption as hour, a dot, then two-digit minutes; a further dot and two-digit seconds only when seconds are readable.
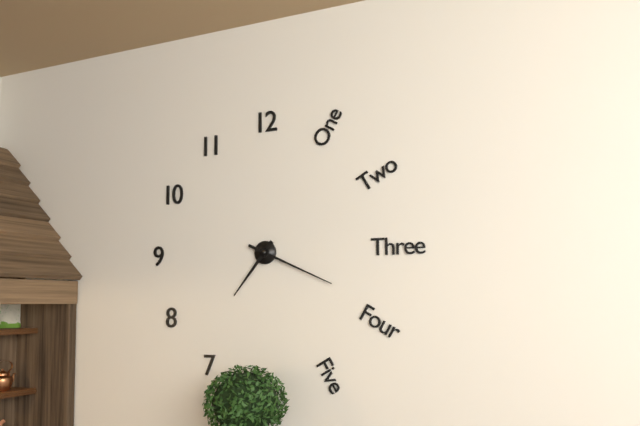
7.19
